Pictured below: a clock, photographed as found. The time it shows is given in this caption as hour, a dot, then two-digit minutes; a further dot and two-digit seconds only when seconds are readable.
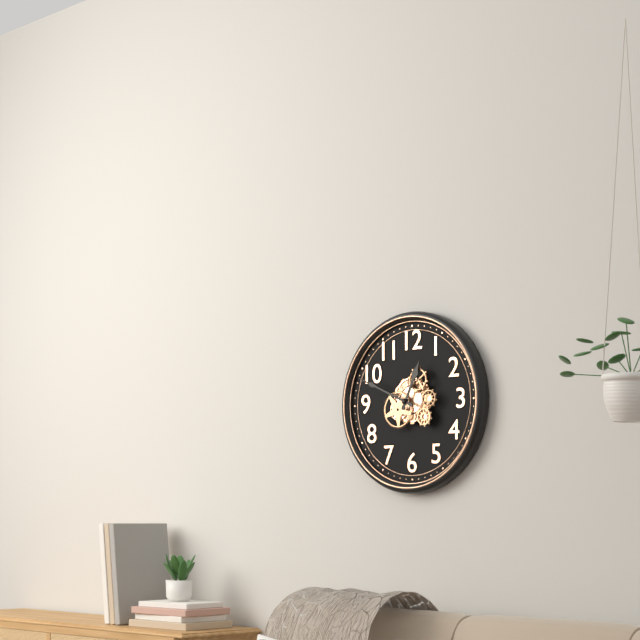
12.49
